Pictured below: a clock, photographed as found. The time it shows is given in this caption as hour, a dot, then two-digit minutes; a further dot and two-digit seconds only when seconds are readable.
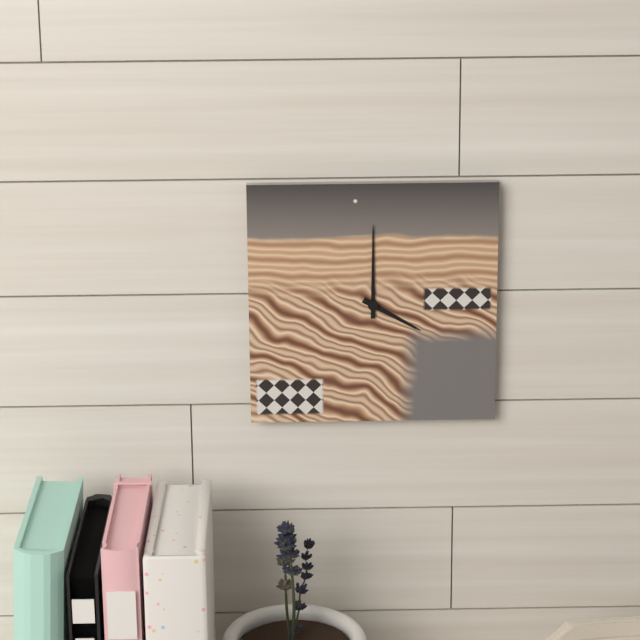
4.00
